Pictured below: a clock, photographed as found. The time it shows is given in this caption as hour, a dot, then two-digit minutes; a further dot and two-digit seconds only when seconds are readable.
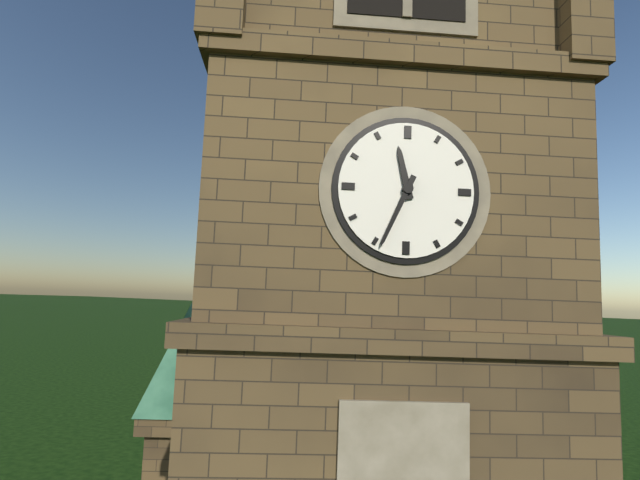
11.34
